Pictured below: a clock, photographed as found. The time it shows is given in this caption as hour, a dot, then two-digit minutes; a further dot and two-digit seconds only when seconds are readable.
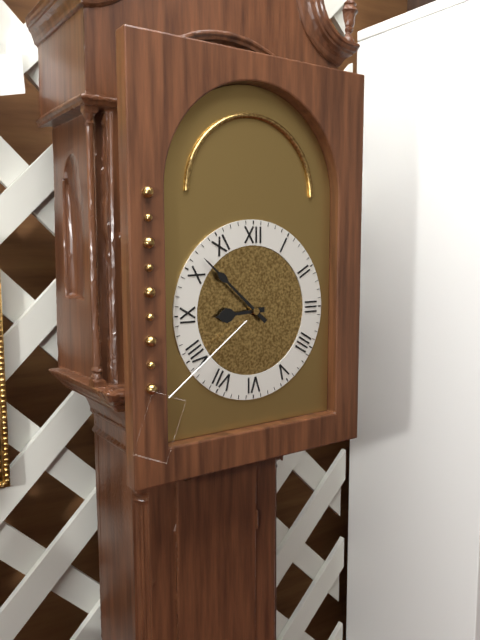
8.52
